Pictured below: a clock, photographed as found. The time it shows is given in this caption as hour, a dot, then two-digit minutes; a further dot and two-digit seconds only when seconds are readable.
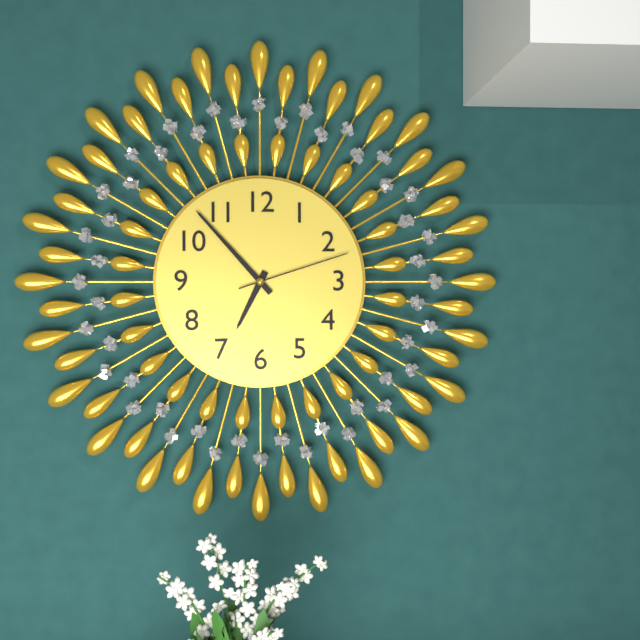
6.53.12
